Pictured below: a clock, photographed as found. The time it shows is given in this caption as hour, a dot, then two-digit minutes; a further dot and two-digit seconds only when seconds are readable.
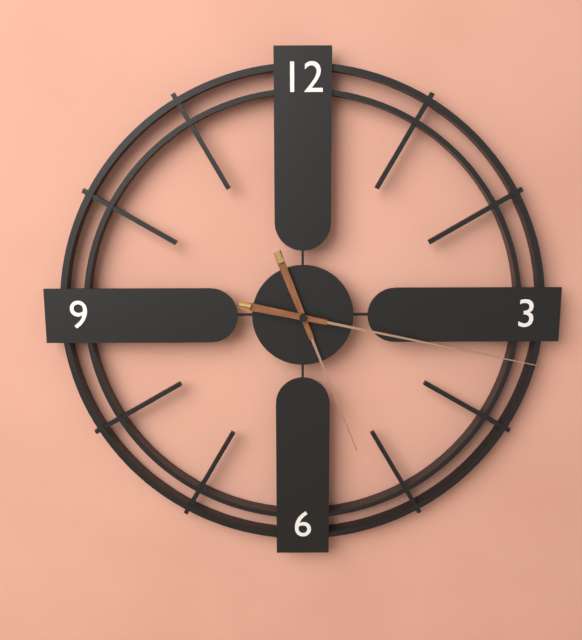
5.17
